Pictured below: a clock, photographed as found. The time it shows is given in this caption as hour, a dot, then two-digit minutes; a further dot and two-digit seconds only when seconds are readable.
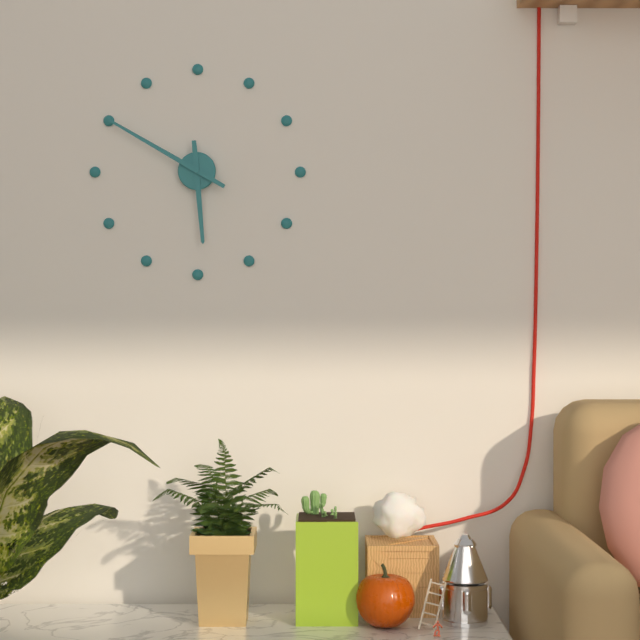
5.50
